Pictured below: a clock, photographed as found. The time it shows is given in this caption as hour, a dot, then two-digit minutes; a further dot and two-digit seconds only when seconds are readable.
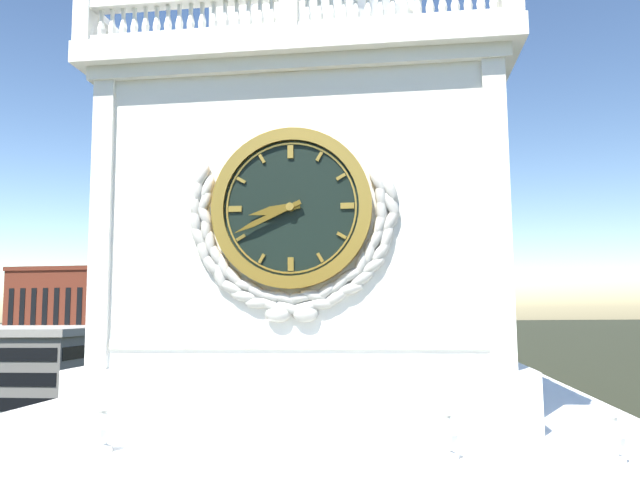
8.41
